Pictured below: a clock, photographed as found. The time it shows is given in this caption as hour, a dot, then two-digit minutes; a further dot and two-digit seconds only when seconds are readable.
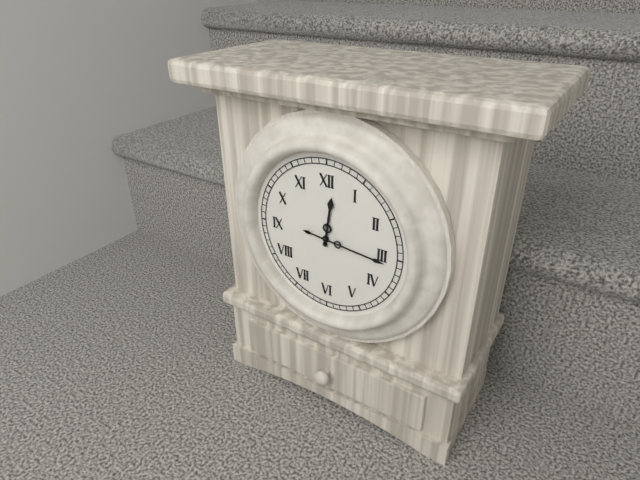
12.16
